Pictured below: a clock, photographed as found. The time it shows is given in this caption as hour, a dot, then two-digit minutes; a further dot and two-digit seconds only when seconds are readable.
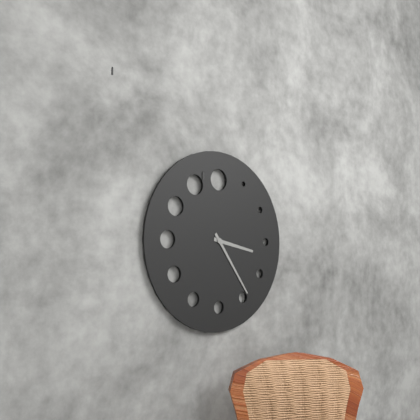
3.24
